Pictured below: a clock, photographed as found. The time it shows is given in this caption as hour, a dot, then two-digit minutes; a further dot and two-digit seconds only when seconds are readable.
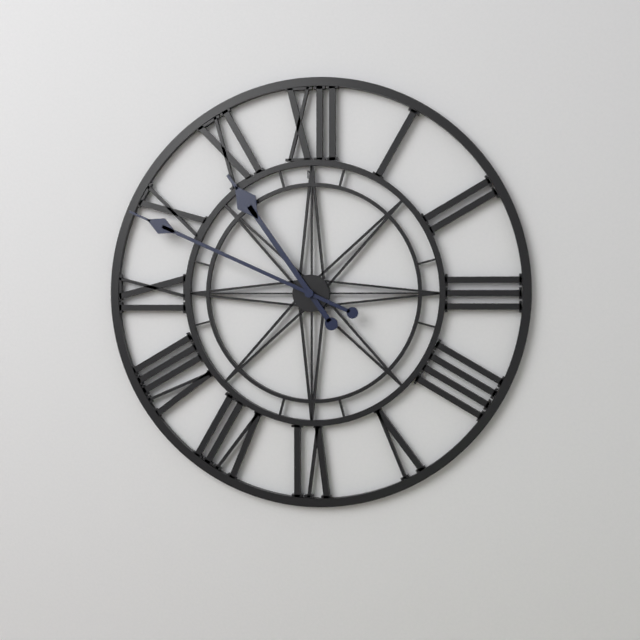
10.49
